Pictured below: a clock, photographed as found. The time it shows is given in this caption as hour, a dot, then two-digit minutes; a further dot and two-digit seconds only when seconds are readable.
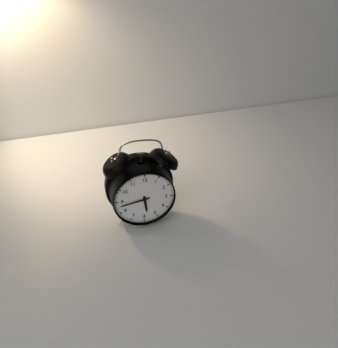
5.43
